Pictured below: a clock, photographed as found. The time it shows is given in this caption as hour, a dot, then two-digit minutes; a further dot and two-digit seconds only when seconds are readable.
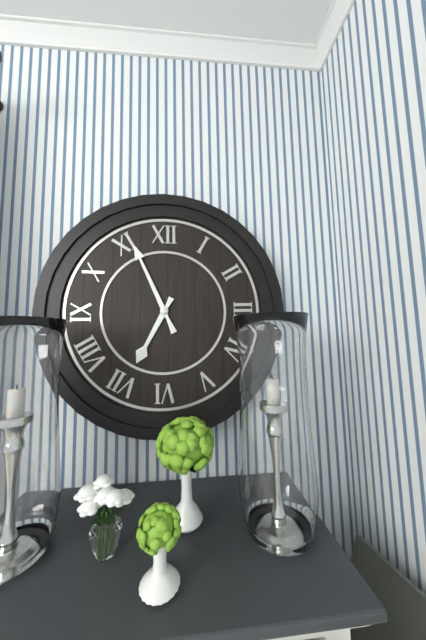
6.56
